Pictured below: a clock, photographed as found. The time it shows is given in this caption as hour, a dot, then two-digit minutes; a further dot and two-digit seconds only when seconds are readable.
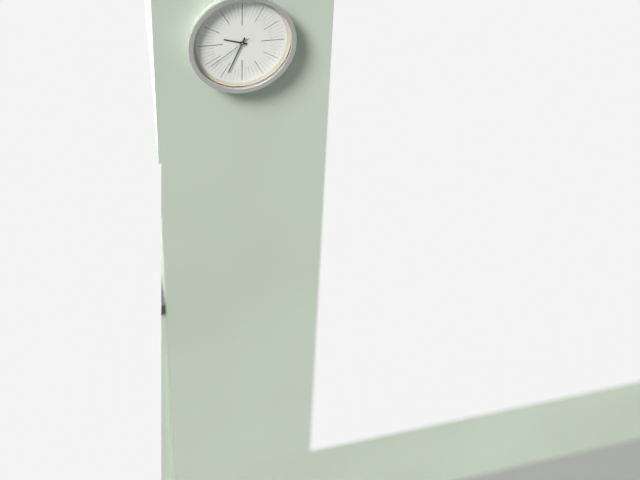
9.34
